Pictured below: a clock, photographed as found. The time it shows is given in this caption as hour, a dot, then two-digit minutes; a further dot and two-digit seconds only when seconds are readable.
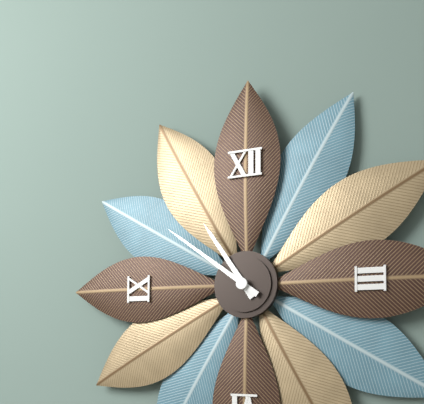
10.51
